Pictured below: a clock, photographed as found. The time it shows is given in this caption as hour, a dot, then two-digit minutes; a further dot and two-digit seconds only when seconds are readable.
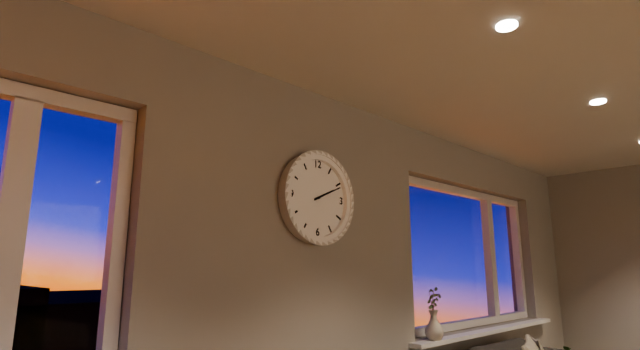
2.11
